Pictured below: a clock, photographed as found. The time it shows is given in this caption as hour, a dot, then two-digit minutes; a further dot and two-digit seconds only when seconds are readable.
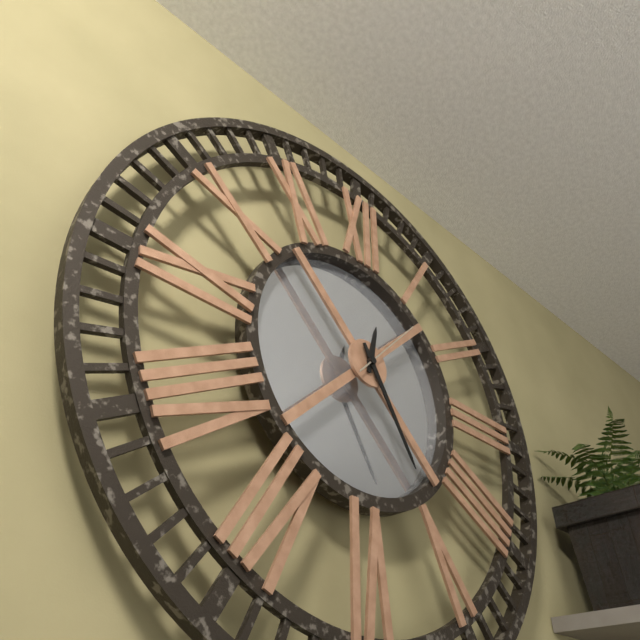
12.25.07
